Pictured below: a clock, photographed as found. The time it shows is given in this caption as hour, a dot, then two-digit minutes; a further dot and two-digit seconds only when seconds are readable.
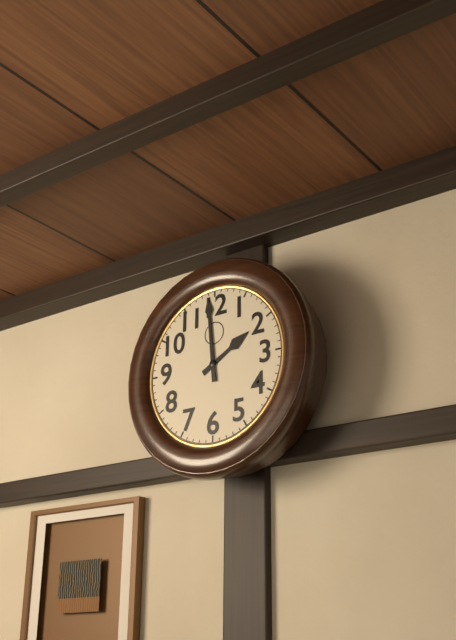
1.59
